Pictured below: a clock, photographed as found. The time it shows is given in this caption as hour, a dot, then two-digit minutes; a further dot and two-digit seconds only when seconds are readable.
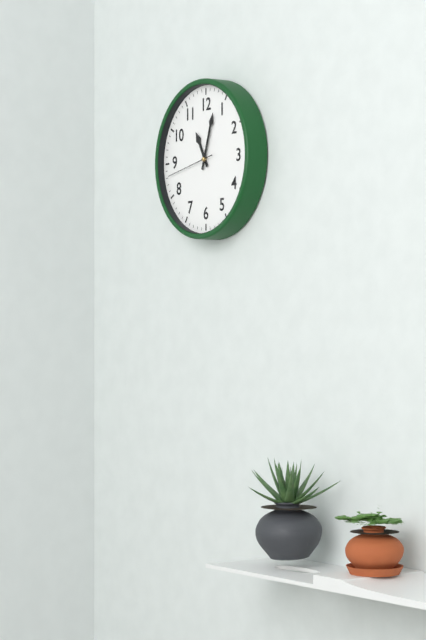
11.03
